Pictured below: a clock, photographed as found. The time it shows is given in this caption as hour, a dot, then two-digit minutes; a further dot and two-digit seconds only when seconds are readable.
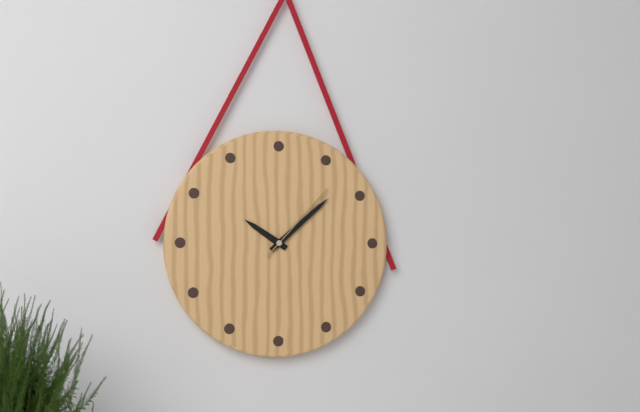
10.08.07
